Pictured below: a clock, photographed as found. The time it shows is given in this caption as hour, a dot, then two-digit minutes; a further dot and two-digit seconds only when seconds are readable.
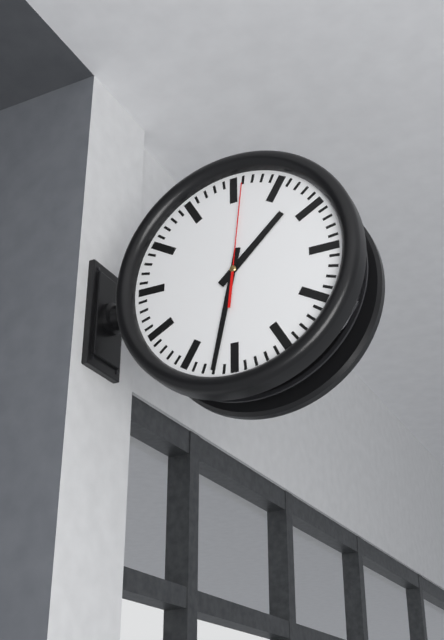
1.32.01
